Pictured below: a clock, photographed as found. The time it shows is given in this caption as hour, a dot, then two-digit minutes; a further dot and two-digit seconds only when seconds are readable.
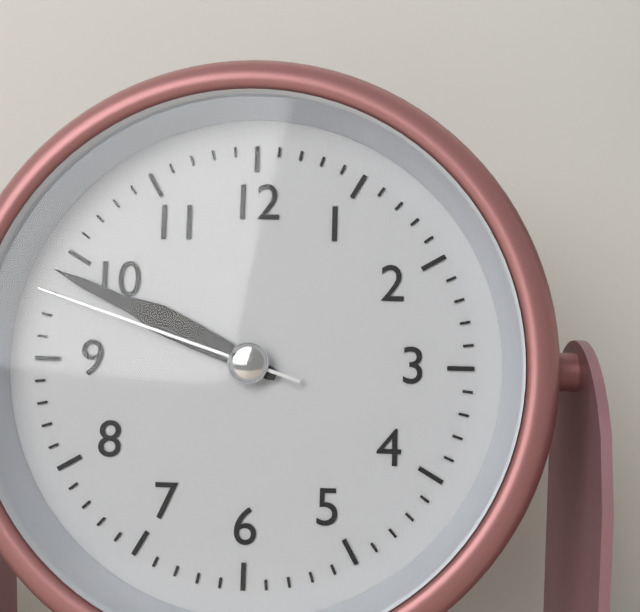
9.49.48
